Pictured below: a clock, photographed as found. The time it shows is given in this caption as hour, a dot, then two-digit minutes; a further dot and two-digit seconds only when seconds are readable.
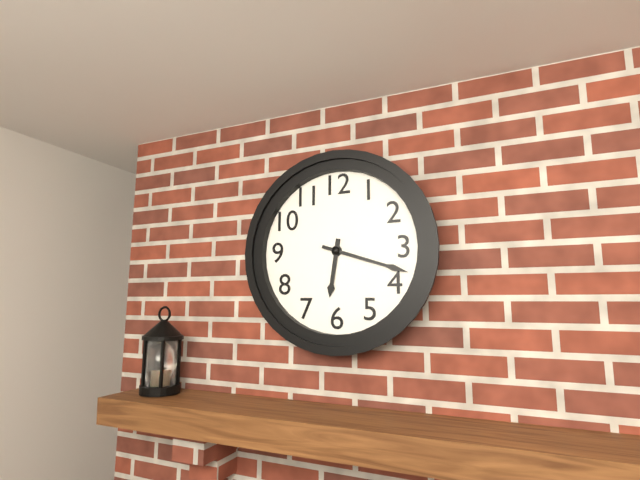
6.18
